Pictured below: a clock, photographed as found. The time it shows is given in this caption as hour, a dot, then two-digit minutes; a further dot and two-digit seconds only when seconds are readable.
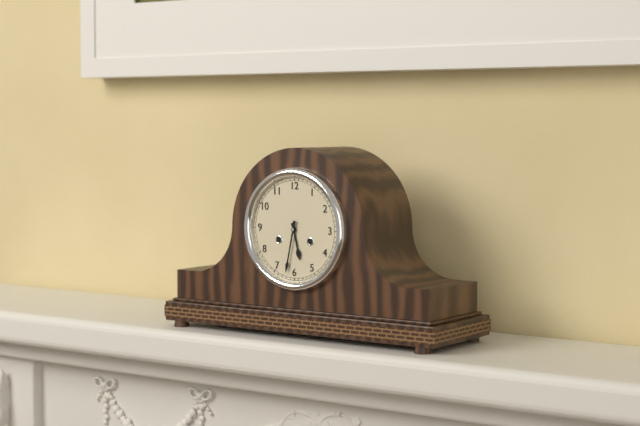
5.32
